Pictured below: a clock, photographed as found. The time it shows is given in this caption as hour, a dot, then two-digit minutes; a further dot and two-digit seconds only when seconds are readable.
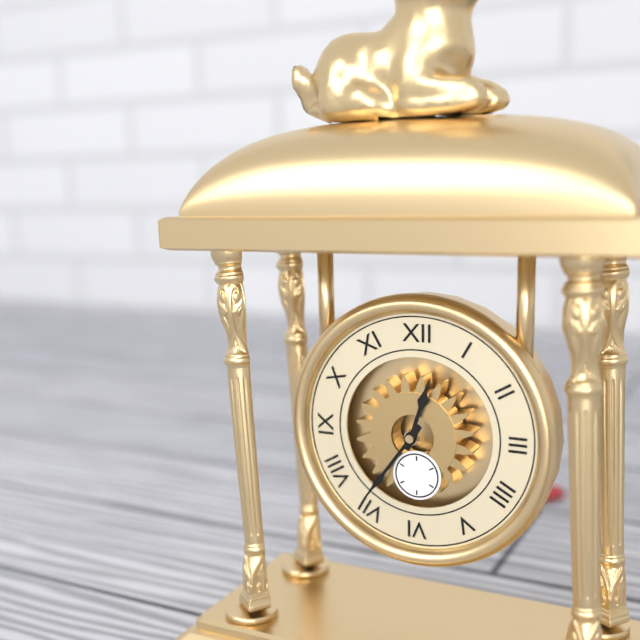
12.36
